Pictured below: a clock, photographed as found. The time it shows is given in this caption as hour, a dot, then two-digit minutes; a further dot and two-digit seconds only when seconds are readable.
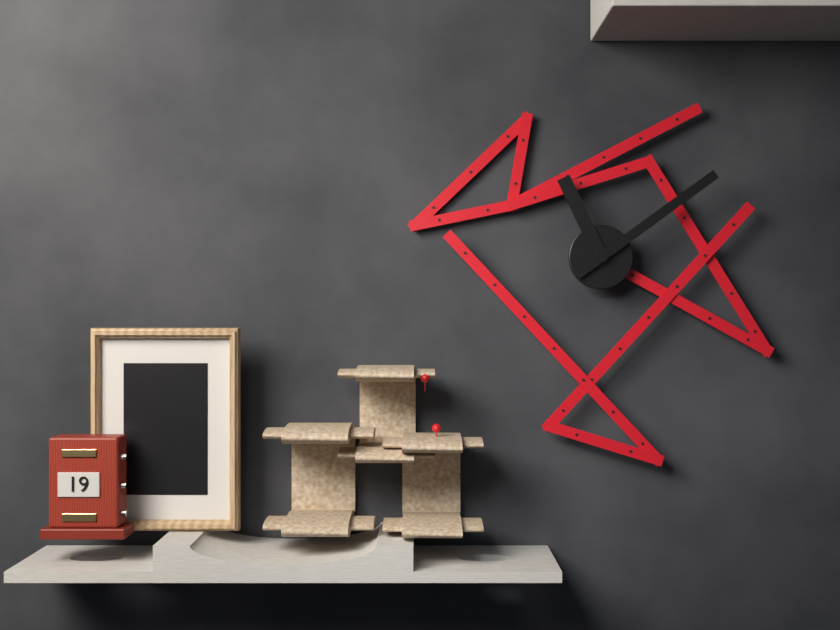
11.09
